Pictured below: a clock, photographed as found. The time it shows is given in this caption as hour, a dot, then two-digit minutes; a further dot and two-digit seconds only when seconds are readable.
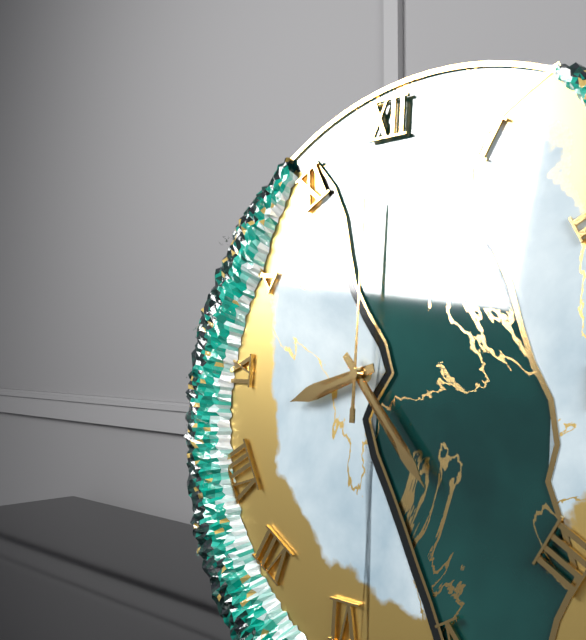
8.23.00
